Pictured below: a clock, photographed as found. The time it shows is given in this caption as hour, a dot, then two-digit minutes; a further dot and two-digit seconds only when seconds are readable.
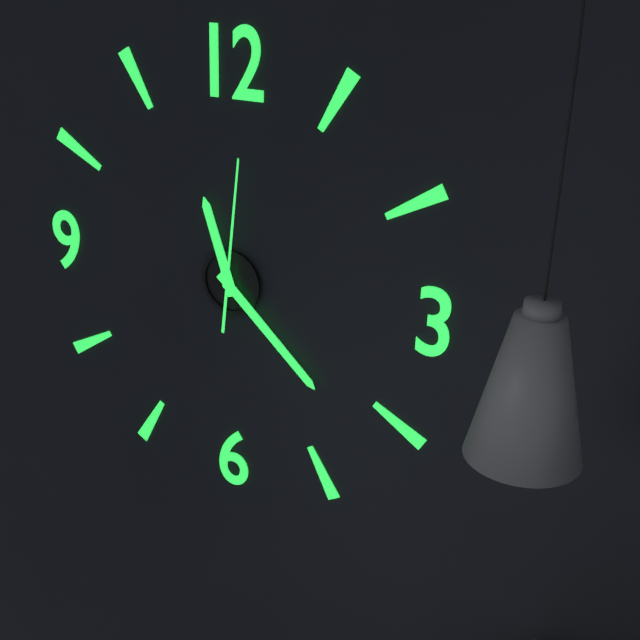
11.22.01
